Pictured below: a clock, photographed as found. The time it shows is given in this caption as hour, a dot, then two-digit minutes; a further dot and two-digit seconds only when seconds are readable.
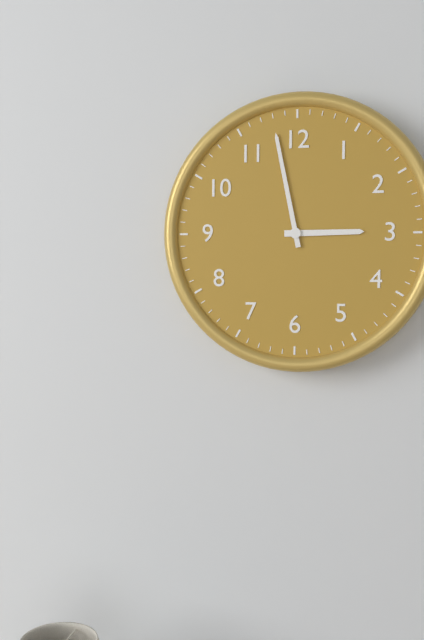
2.58
